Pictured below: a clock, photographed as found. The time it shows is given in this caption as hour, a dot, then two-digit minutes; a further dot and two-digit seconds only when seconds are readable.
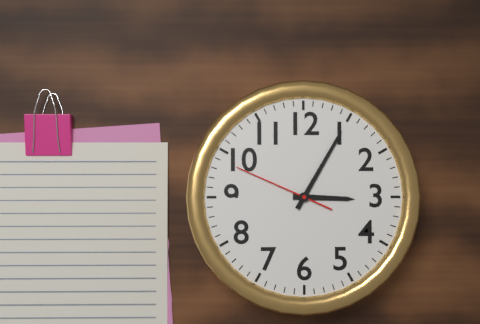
3.05.49
